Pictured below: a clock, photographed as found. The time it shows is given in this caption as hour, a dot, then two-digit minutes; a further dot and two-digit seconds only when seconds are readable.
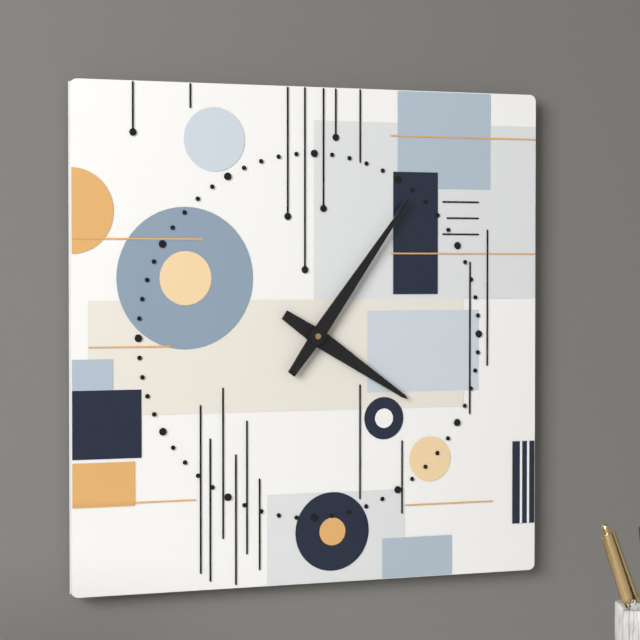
4.06
